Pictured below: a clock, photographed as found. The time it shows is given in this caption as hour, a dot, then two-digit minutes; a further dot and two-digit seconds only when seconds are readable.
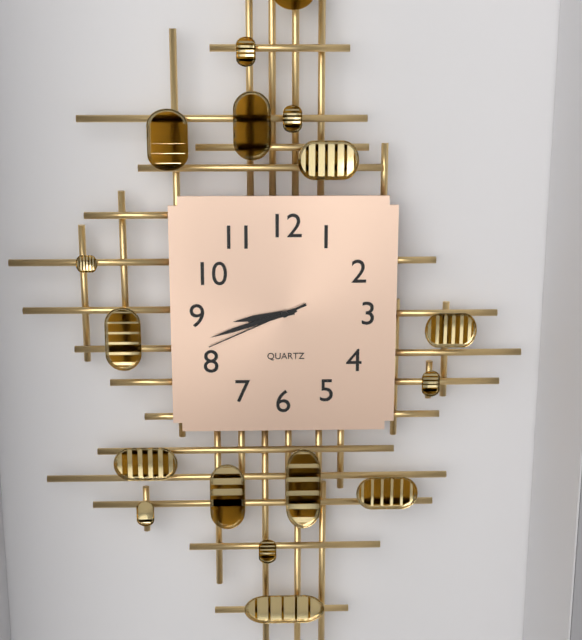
8.42.41
